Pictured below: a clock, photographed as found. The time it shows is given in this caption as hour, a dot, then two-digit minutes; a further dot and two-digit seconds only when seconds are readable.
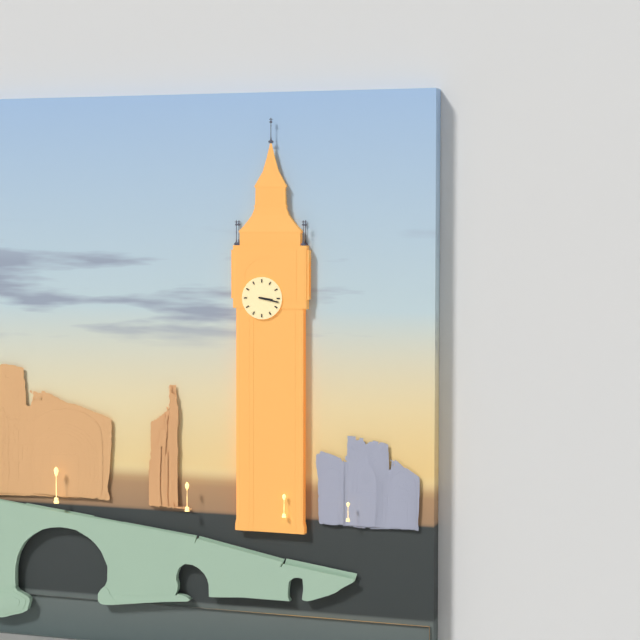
3.17
